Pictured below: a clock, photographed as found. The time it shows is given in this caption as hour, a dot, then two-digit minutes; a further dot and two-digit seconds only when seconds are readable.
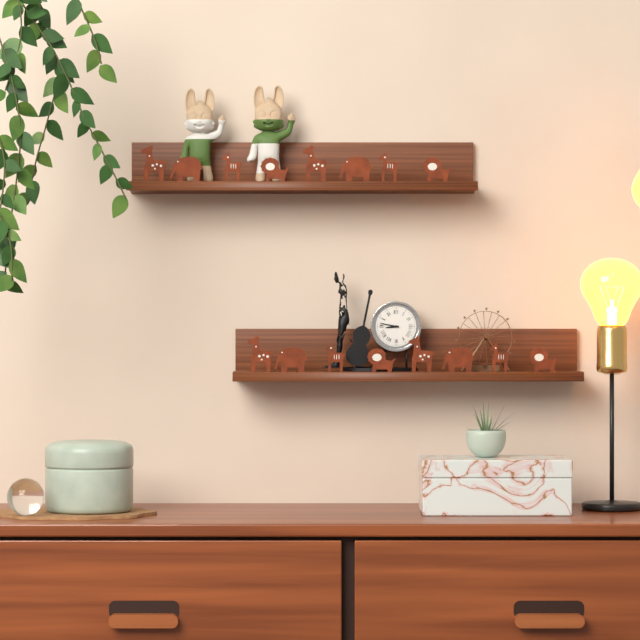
8.47
